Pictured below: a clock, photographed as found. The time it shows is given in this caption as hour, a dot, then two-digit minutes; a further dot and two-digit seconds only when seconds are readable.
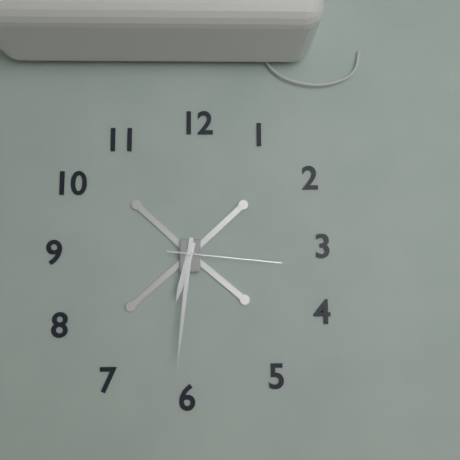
6.31.16
